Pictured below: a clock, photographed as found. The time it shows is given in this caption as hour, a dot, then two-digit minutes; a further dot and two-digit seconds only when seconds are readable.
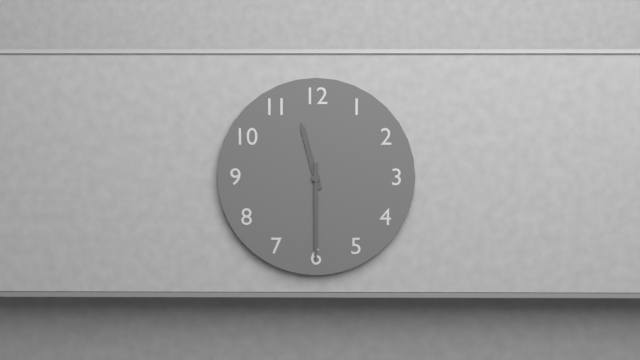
11.30
